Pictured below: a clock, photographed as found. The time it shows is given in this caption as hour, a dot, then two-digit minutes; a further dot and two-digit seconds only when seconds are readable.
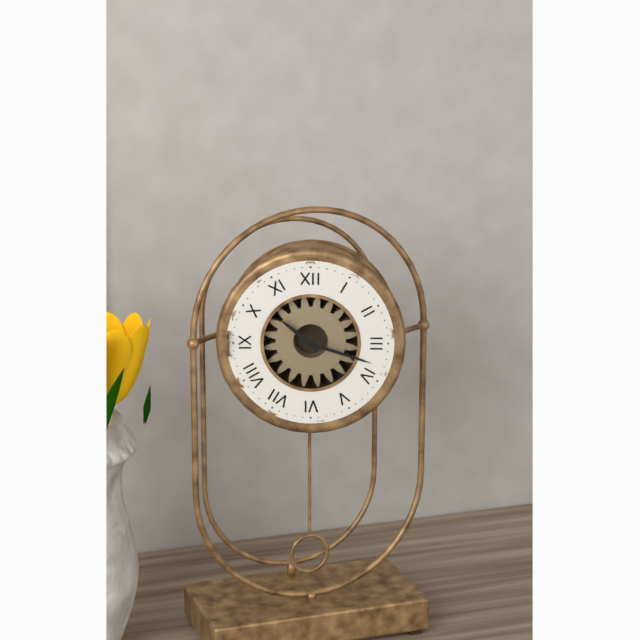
10.18
